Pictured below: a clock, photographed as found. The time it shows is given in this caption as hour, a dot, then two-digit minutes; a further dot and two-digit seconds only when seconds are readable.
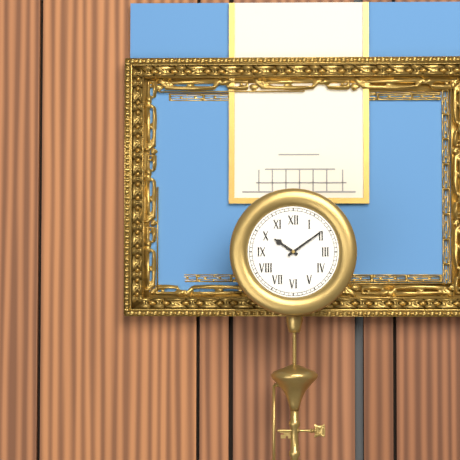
10.09
